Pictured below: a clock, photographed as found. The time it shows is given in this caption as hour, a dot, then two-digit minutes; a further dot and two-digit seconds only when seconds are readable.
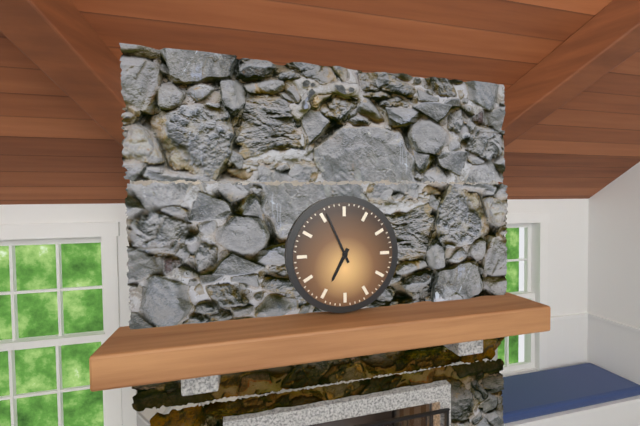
6.56
